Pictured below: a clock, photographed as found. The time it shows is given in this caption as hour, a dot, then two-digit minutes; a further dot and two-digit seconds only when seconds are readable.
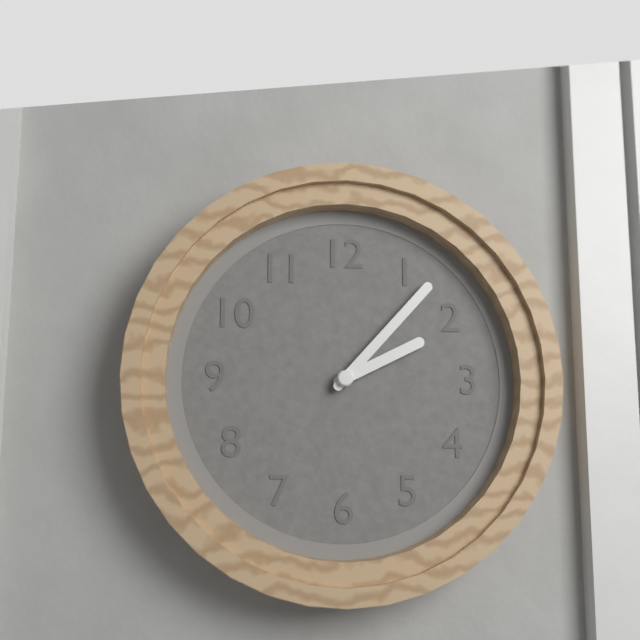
2.07
